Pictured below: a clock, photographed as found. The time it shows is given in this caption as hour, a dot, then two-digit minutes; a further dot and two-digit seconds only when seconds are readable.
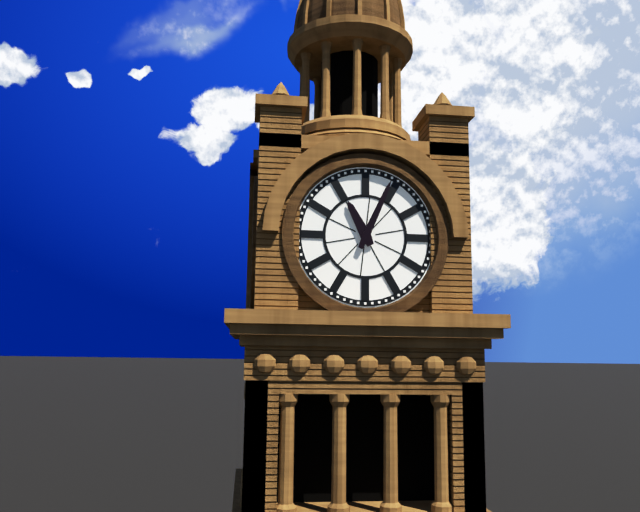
11.04
